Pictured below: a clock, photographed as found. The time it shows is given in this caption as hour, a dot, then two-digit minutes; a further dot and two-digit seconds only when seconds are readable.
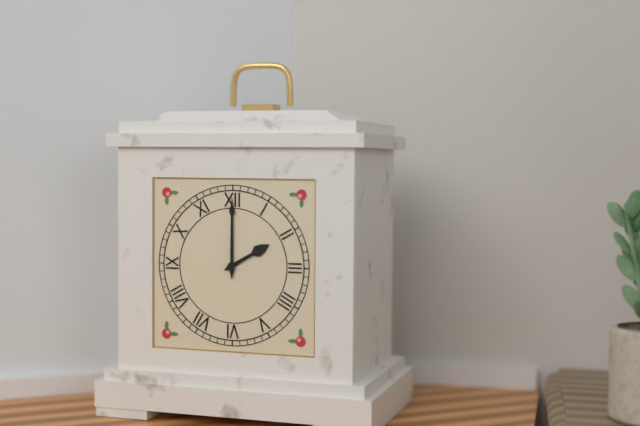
2.00
